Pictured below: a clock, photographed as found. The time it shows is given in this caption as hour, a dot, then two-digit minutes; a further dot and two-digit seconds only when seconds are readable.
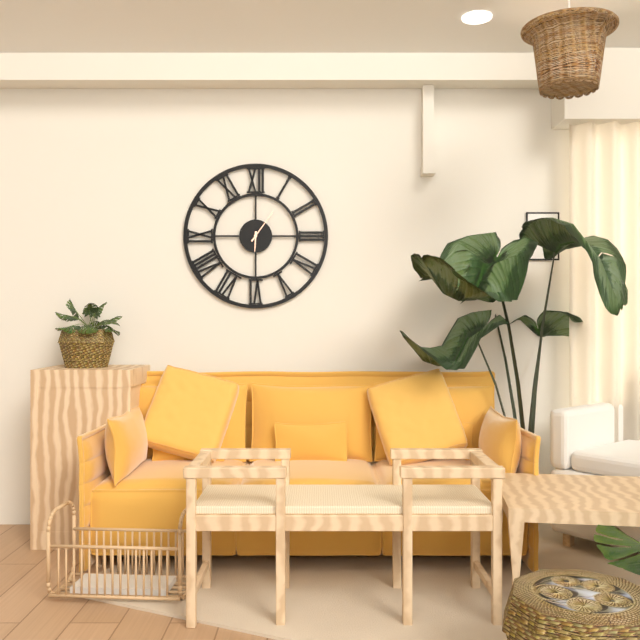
6.06
